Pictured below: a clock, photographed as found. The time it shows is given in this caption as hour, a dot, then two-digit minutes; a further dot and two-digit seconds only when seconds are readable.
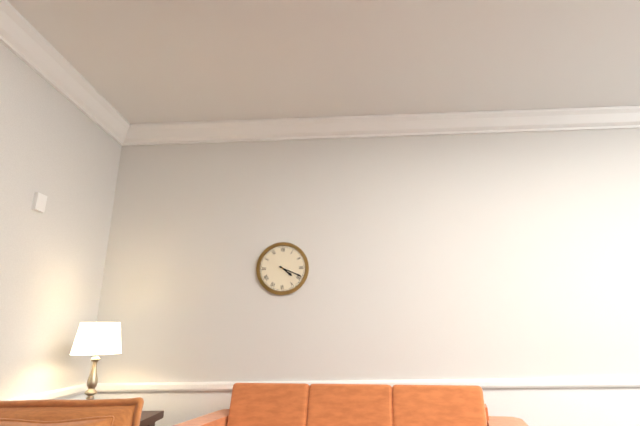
4.19
